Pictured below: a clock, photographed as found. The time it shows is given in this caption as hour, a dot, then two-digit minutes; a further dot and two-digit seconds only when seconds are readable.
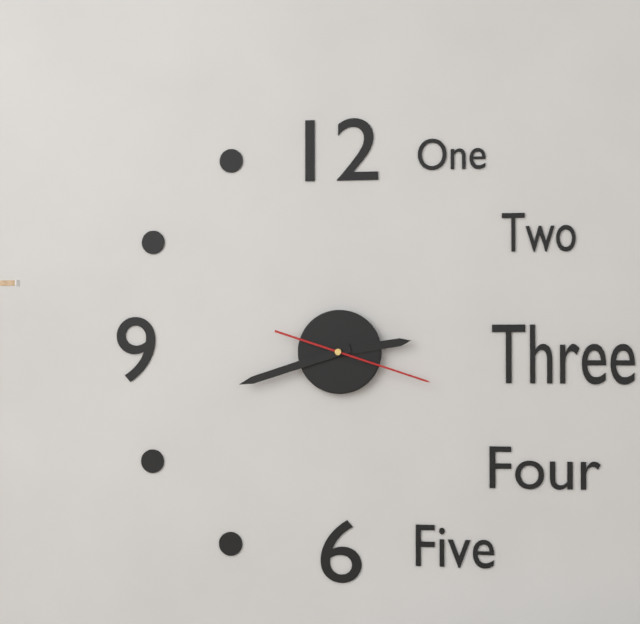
2.42.18
